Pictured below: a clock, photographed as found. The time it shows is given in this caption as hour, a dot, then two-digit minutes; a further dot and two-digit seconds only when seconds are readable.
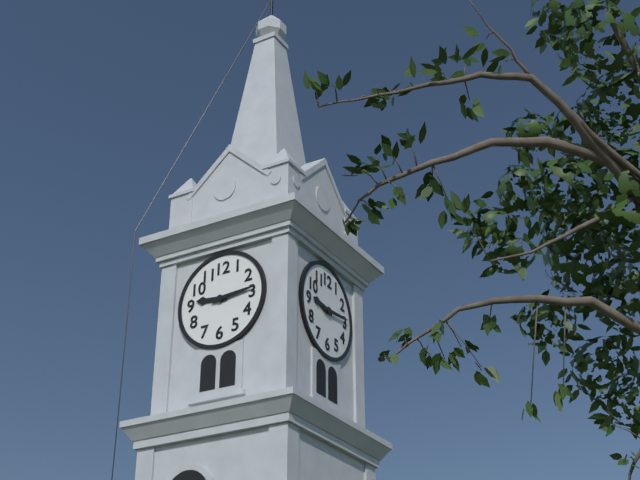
9.14
